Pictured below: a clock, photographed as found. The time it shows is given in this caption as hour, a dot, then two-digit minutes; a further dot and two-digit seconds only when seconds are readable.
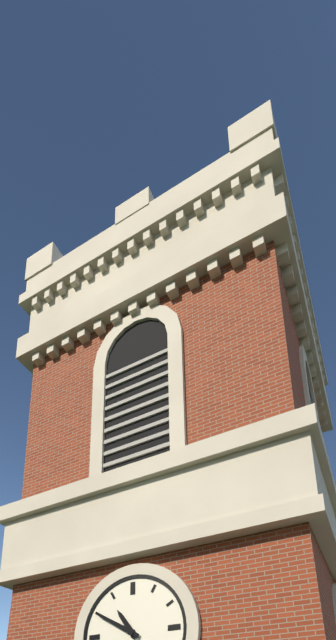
10.50
